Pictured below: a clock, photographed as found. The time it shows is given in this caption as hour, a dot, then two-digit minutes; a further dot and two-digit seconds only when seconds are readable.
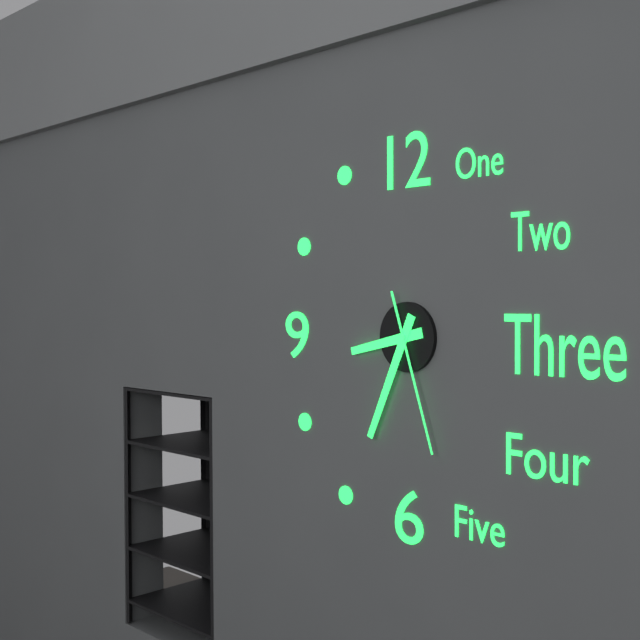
8.34.27
